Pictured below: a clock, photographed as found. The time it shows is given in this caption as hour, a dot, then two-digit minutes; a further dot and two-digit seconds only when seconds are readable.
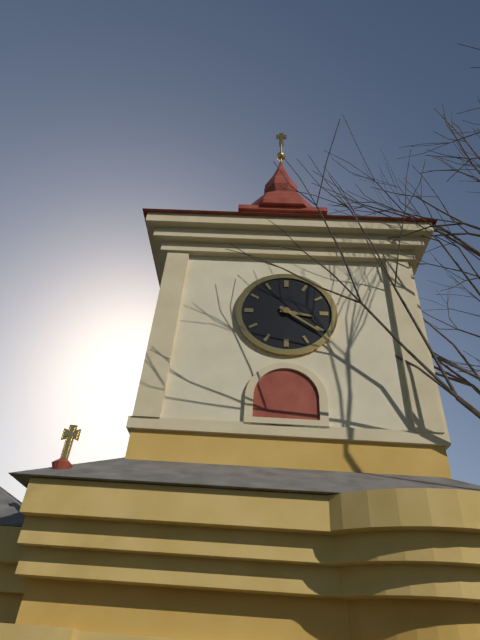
3.21
